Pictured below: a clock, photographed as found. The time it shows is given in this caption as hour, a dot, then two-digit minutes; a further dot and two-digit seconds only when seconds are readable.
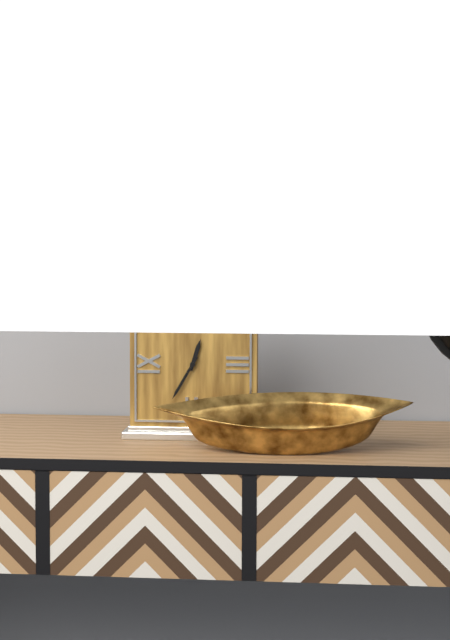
12.35
